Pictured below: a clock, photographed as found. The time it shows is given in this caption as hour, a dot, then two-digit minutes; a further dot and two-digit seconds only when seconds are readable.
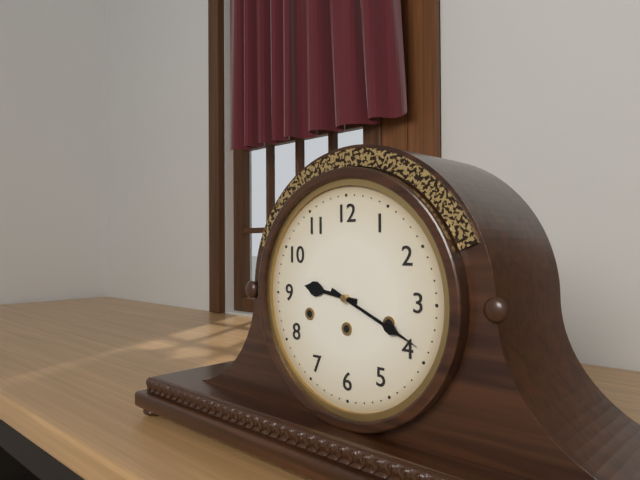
9.19
